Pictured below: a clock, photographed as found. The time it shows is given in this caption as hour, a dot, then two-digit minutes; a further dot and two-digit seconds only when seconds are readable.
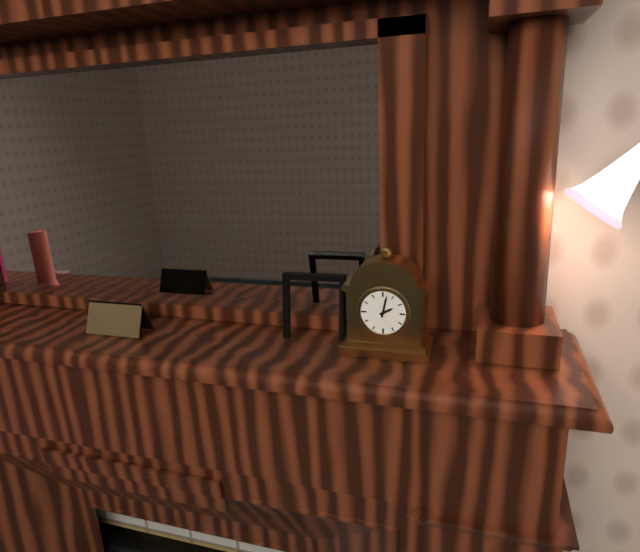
2.02
